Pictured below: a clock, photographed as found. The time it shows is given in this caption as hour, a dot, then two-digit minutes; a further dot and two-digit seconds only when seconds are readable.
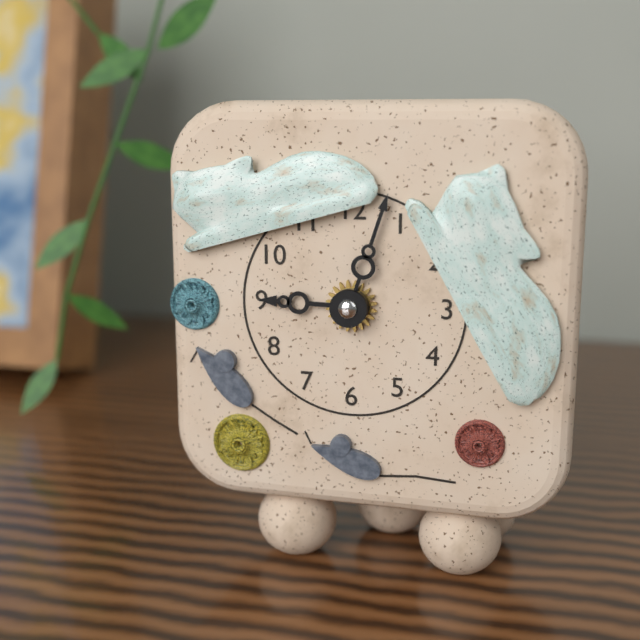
9.03
